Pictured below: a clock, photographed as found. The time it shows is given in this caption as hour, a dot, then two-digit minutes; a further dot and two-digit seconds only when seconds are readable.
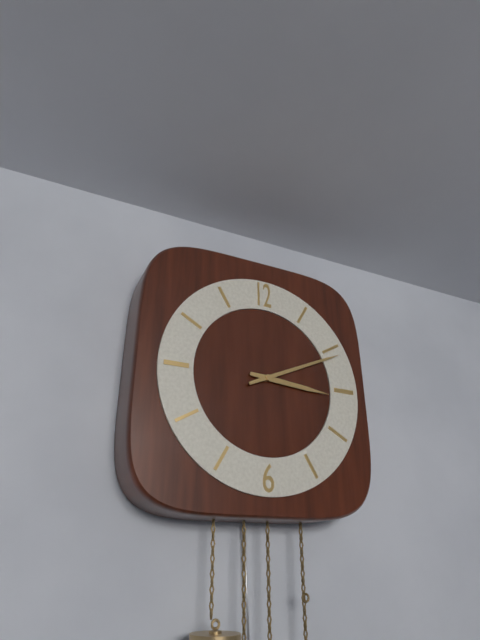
3.11
